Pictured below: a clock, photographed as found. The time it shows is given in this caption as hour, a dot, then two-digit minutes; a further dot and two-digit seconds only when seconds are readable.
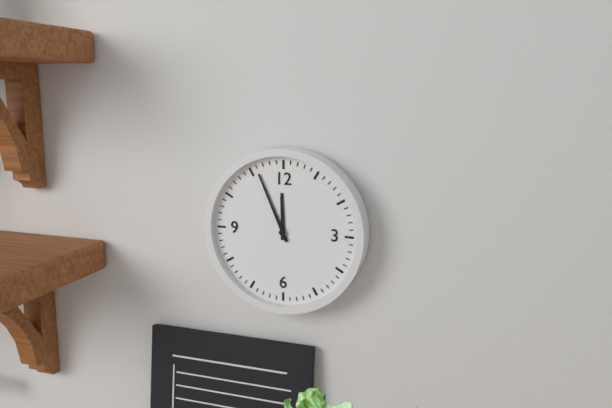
11.56
